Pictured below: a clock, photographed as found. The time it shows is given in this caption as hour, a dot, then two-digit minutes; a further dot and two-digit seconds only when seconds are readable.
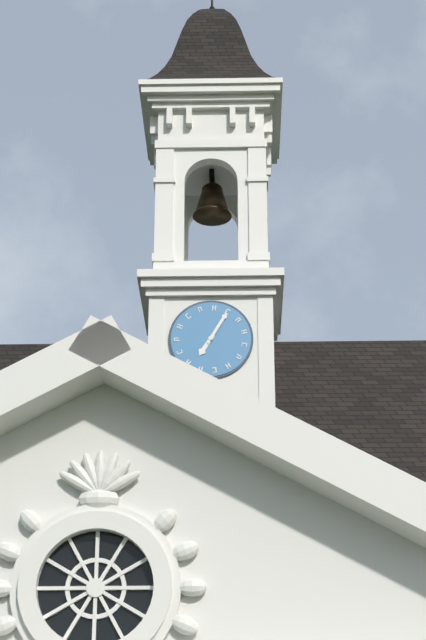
7.05
